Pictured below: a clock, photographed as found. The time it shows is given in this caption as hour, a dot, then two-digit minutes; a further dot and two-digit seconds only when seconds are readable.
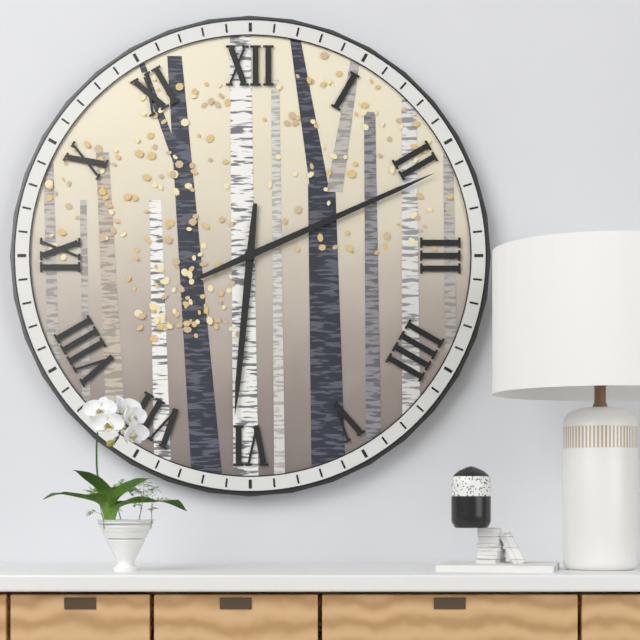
6.11
